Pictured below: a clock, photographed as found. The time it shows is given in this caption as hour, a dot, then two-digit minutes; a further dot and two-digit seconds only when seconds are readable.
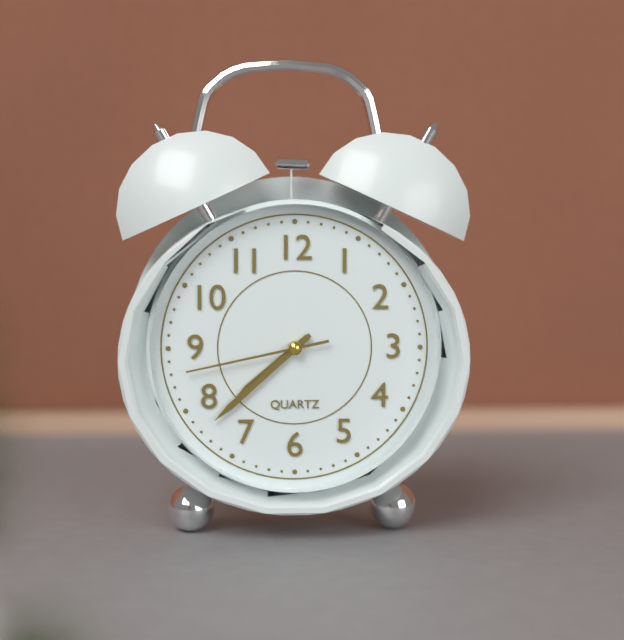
7.38.43
